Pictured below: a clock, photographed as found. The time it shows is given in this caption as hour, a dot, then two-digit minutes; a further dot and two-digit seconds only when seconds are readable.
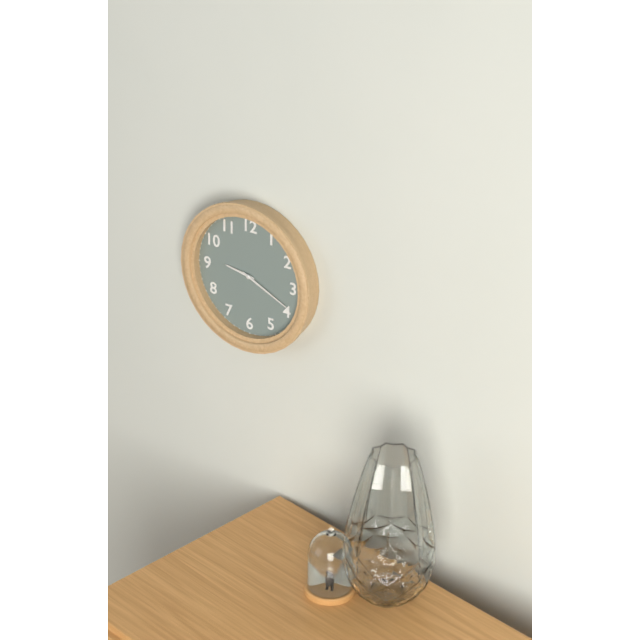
9.19
